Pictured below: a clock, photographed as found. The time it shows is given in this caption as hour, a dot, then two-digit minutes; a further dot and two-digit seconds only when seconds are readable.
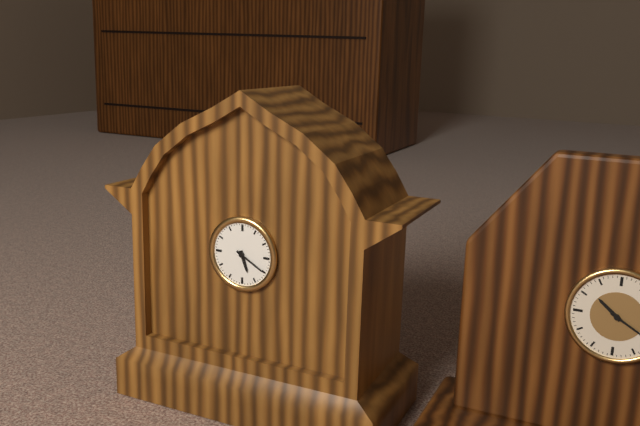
5.20
